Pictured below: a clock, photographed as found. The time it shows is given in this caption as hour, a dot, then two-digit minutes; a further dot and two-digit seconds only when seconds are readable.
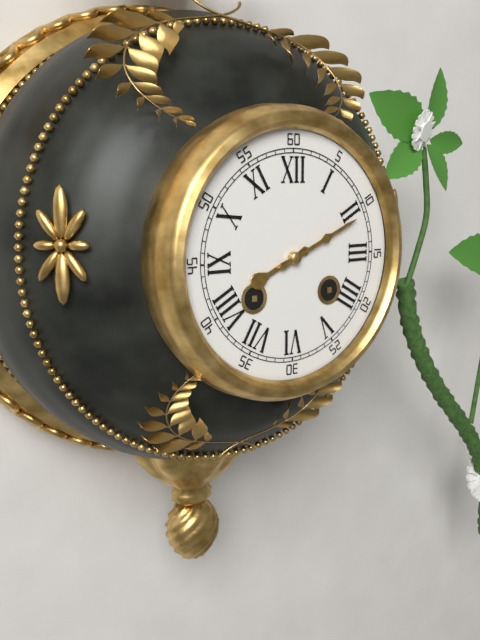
8.11
